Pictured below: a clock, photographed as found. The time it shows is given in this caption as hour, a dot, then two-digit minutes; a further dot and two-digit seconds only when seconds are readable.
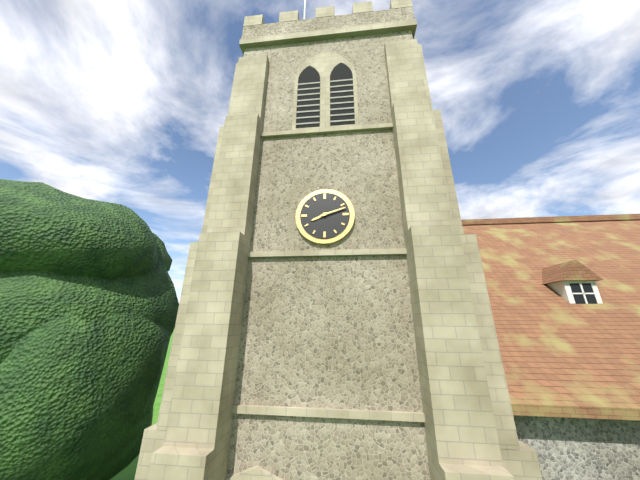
8.12
